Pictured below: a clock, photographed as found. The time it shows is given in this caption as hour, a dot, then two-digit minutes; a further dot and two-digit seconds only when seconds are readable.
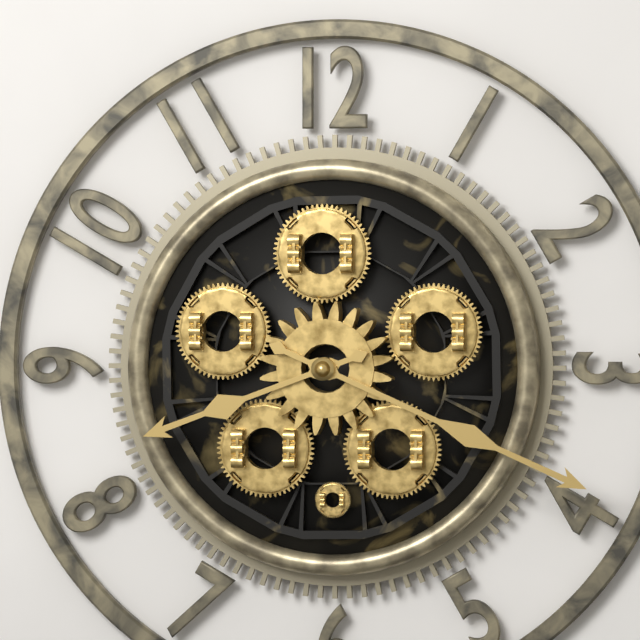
8.19
